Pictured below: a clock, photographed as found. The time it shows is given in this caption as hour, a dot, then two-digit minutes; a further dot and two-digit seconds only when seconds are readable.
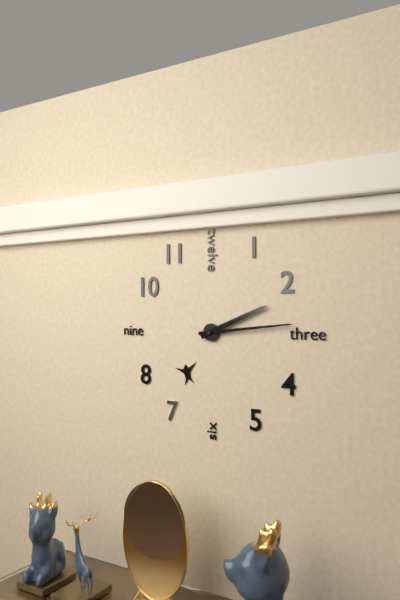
2.14
